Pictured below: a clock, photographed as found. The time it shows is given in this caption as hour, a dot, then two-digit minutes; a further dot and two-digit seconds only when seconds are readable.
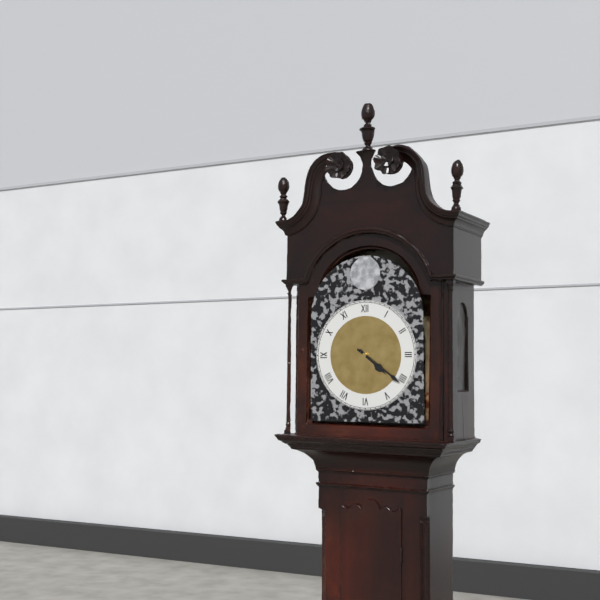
4.21
